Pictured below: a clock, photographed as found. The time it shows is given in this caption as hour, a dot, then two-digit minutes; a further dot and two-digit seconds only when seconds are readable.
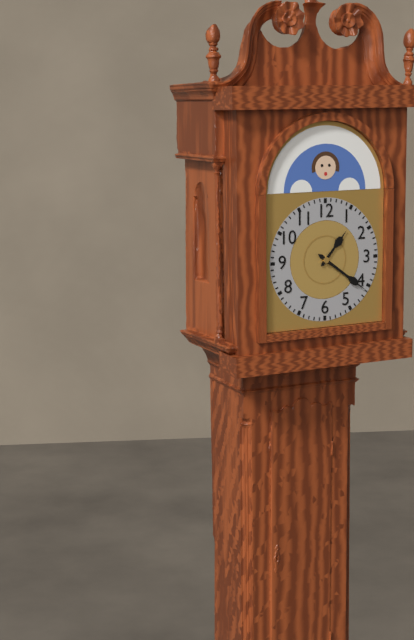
1.21
